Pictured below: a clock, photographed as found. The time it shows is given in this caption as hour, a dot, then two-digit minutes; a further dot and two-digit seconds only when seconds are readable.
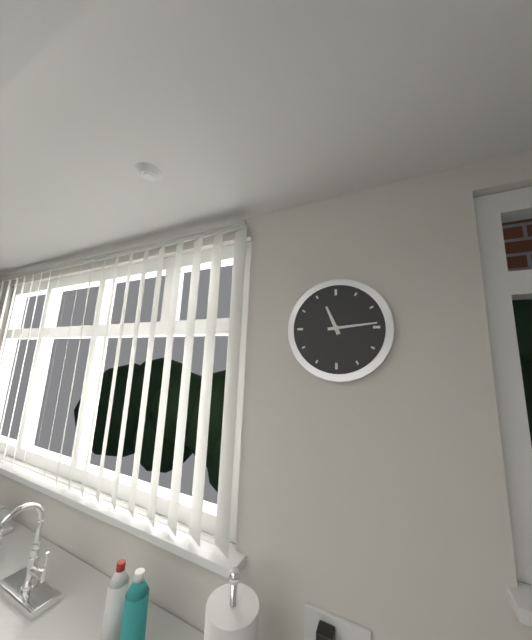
11.14
